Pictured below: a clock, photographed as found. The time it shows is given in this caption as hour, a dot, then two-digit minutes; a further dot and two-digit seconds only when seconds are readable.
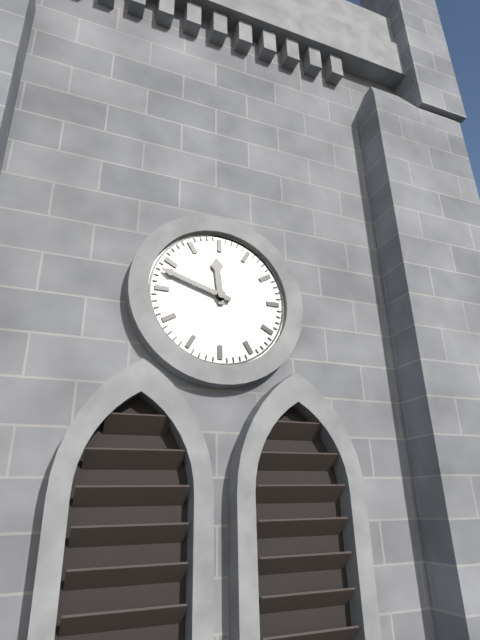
11.48
